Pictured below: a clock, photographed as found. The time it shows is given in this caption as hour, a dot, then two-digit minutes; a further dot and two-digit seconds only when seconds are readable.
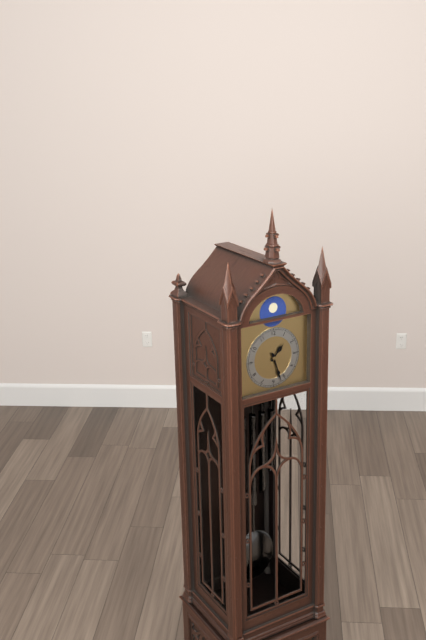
1.27
